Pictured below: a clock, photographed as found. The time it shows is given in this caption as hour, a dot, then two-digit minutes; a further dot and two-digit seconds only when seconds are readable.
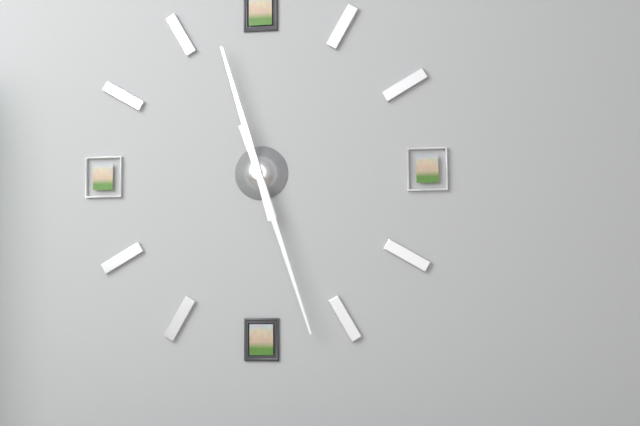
11.27
